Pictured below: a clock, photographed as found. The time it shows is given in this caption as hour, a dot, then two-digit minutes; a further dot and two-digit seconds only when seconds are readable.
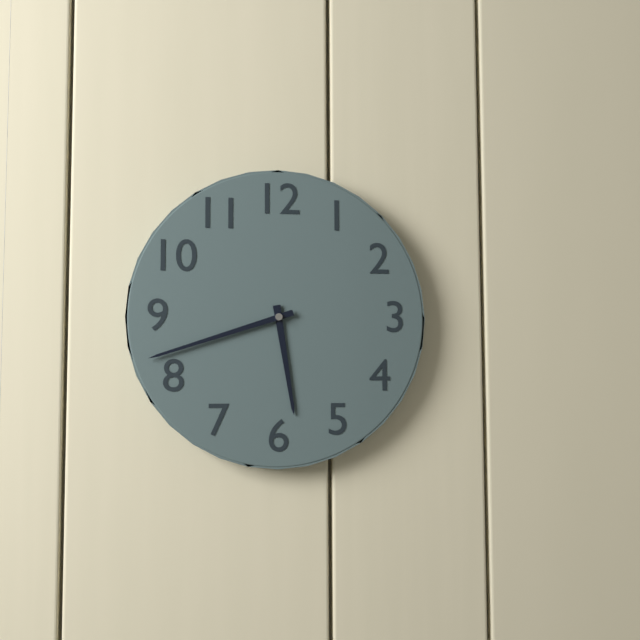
5.42
